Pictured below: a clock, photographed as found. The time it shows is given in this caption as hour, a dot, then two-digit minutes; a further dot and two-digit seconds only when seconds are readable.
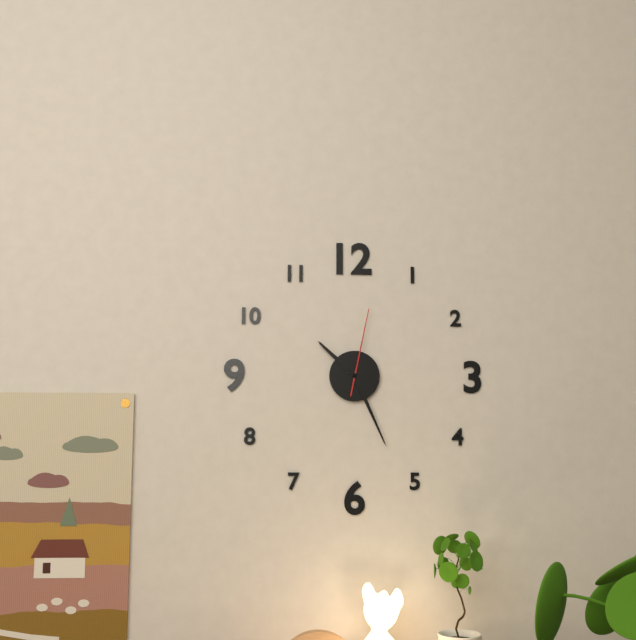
10.26.02
